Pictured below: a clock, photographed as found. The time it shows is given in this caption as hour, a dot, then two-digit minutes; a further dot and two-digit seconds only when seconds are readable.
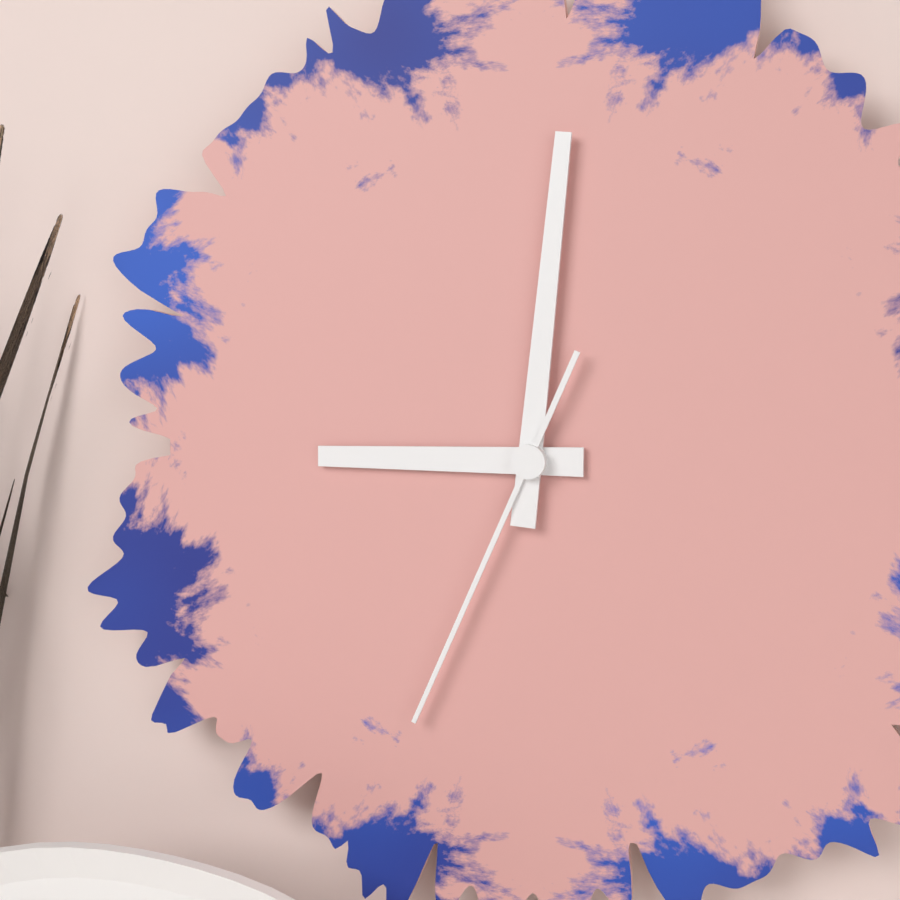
9.01.34
